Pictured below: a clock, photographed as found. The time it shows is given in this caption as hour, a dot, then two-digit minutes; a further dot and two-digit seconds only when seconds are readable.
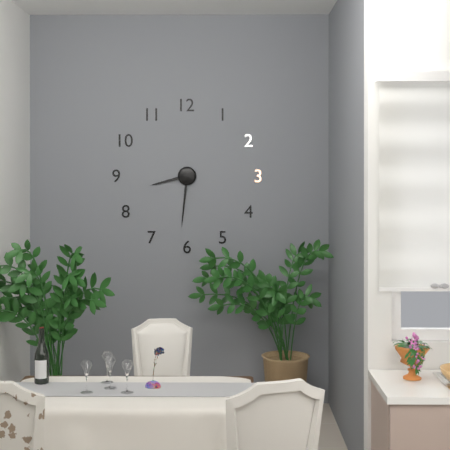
8.31
